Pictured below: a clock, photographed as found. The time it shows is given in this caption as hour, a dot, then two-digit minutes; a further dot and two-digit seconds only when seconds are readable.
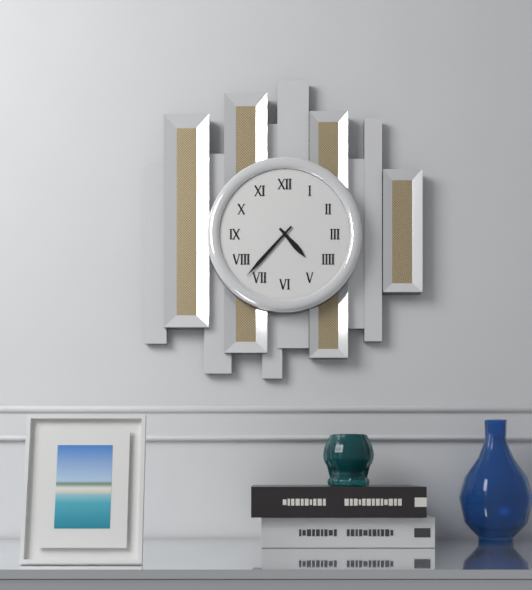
4.37
